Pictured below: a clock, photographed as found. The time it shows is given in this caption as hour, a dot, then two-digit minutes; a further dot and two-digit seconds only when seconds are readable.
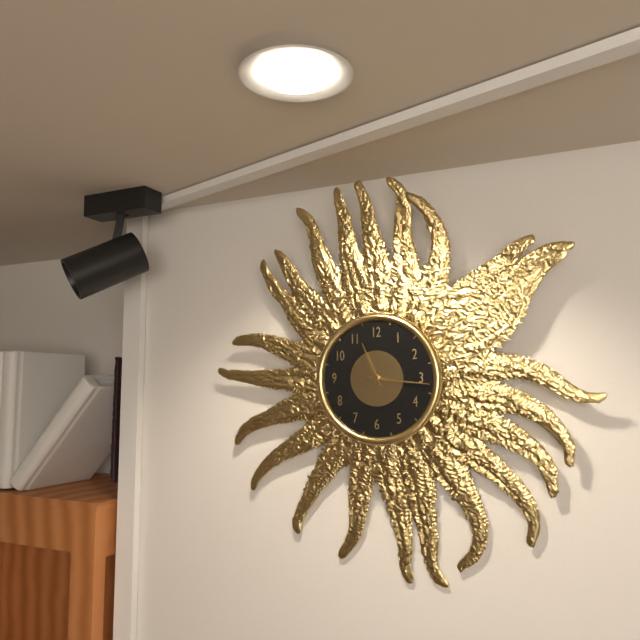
11.16
